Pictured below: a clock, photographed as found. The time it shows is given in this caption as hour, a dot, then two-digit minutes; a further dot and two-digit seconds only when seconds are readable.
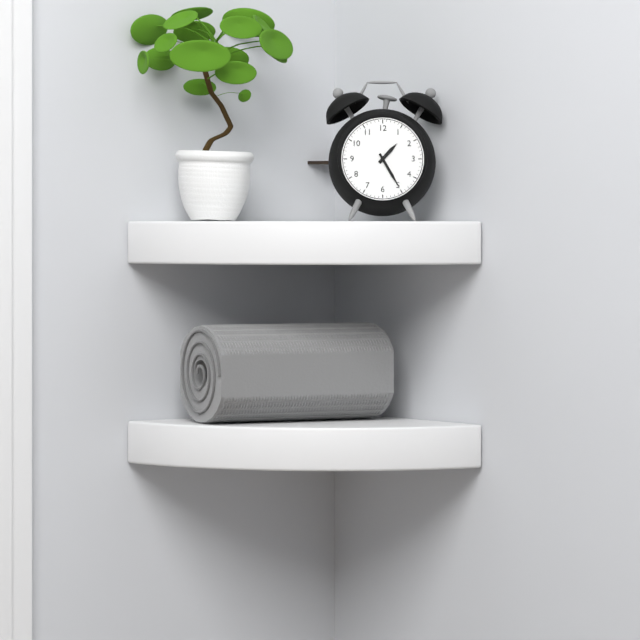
1.25
